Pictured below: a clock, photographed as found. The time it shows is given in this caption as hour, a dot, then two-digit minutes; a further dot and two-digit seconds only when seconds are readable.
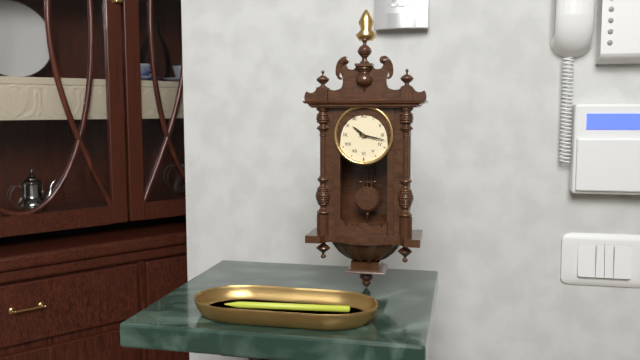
10.17
